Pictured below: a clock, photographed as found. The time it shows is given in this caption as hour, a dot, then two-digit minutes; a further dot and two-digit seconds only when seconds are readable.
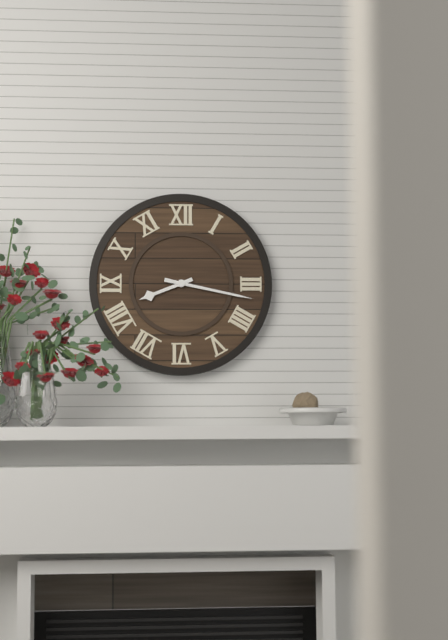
8.17
